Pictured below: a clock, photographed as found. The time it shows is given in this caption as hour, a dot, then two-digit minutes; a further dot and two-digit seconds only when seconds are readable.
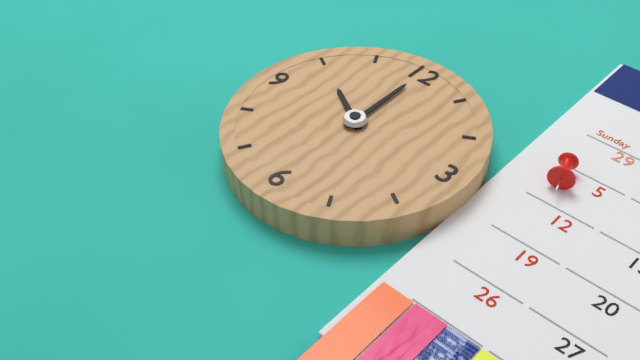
10.00
